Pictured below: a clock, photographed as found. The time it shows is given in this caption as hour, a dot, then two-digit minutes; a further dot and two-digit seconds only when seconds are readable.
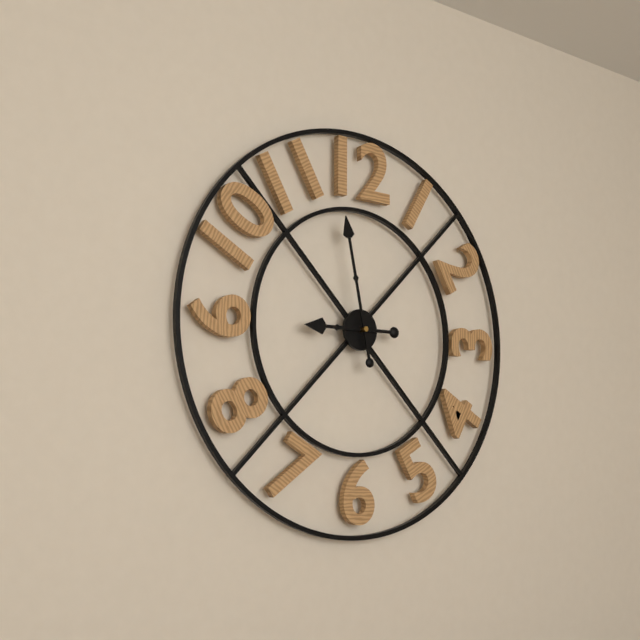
8.58
